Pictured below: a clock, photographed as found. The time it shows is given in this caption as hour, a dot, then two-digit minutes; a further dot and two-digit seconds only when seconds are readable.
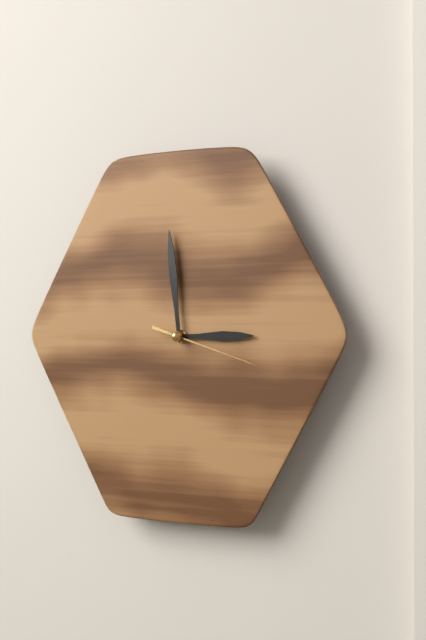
2.59.18
